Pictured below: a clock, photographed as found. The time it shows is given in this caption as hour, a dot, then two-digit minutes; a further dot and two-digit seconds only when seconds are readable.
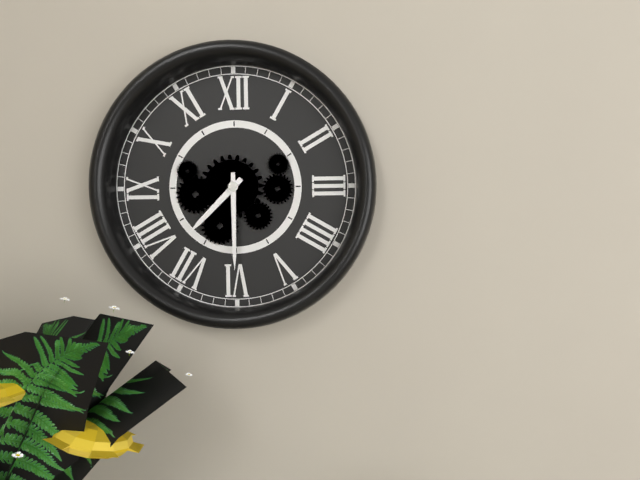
7.30
